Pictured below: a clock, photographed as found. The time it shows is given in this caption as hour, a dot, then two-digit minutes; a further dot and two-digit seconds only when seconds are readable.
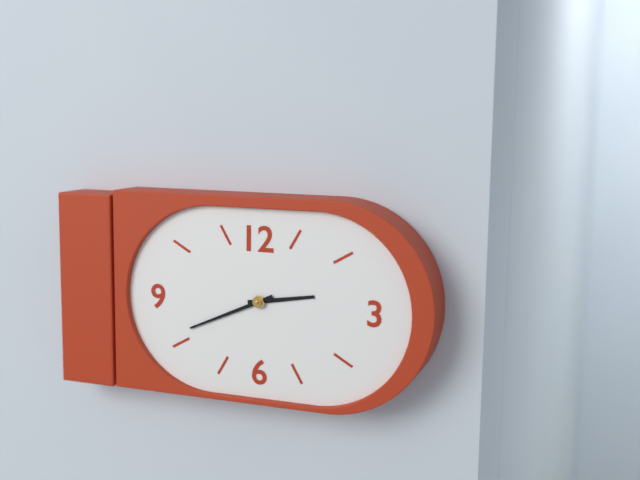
2.41
